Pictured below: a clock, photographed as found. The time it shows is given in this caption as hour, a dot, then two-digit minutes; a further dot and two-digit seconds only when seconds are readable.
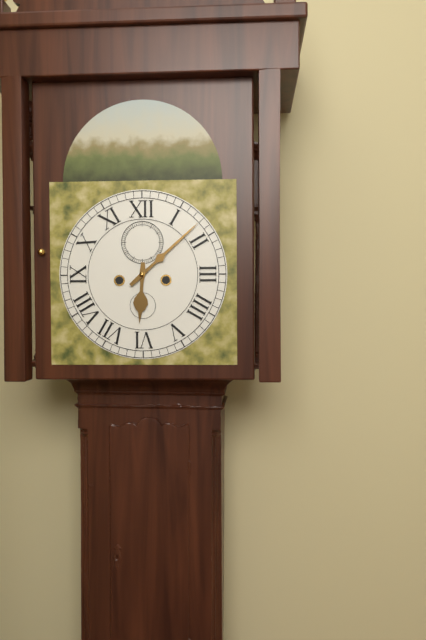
6.08
